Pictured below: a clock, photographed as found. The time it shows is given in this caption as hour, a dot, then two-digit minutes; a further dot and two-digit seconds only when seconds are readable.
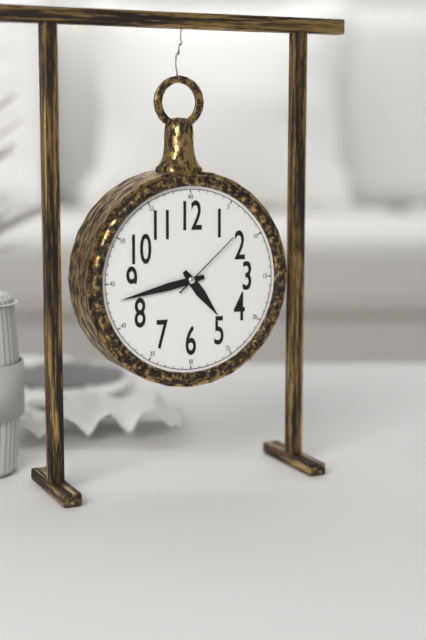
4.43.08
